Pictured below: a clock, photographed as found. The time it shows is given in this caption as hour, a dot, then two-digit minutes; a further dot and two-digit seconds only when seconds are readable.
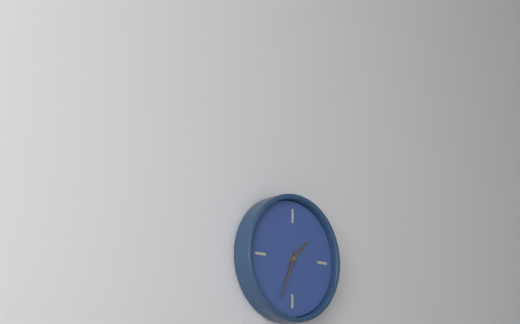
1.34
